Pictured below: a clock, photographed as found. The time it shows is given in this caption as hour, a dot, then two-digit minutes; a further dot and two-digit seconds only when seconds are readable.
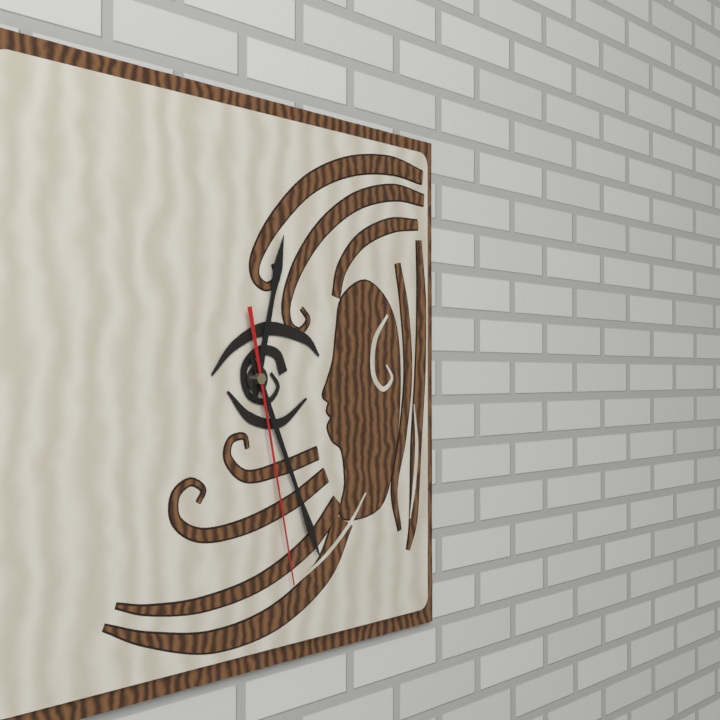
12.26.28
